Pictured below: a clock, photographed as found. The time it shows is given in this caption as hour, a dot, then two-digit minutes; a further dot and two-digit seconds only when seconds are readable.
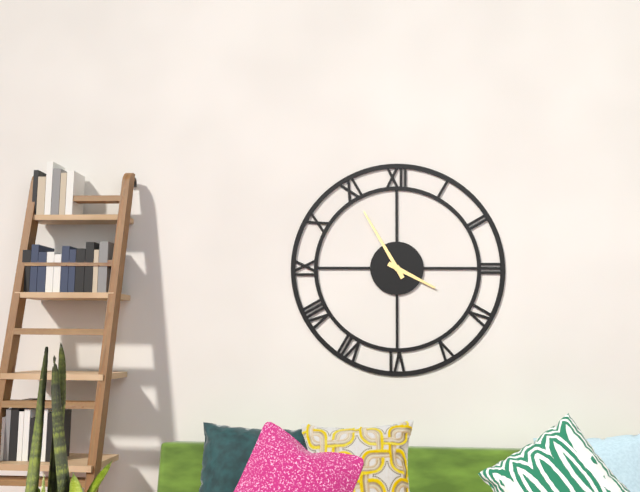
3.55
